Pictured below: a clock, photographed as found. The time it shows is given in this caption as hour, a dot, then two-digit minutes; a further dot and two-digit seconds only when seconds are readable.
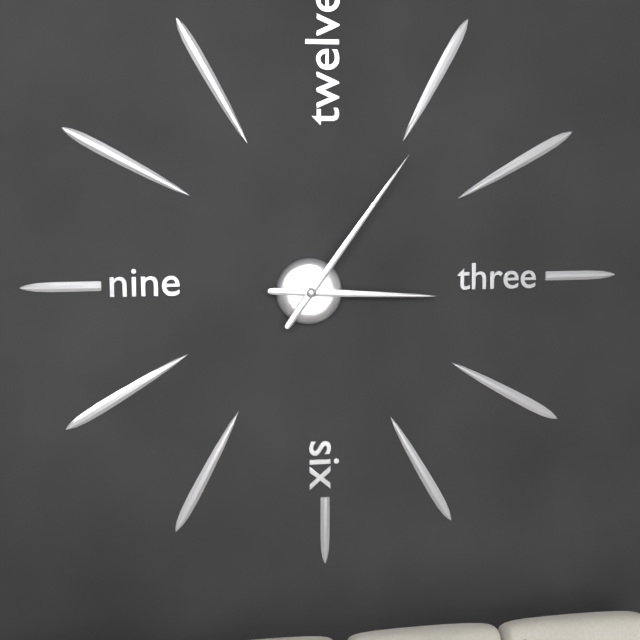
3.06
